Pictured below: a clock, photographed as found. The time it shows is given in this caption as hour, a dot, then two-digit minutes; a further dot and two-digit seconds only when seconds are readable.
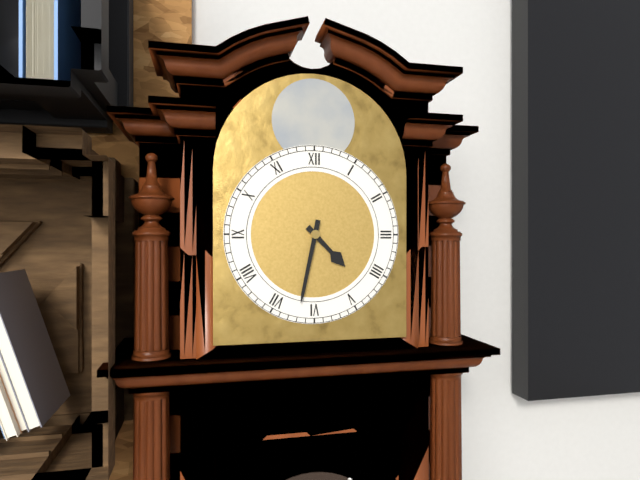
4.32
